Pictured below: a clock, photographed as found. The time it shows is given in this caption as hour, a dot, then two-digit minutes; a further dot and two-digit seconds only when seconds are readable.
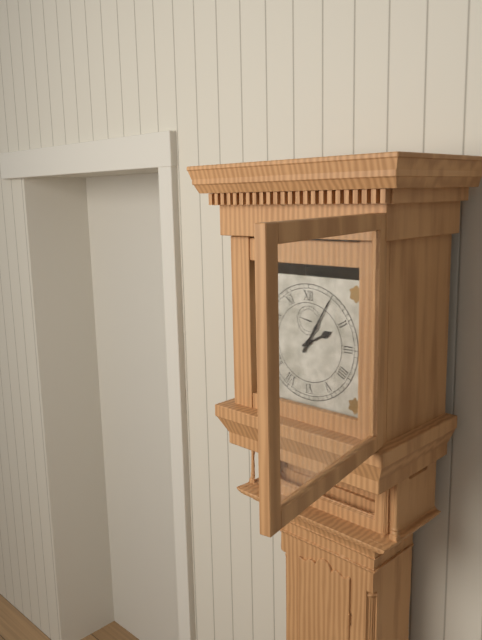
2.05
